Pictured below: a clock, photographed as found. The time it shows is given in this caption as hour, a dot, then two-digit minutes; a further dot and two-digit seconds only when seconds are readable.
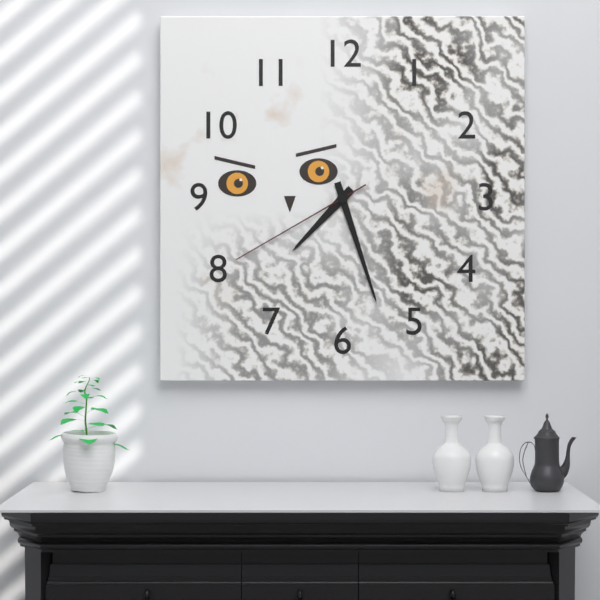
7.27.40
